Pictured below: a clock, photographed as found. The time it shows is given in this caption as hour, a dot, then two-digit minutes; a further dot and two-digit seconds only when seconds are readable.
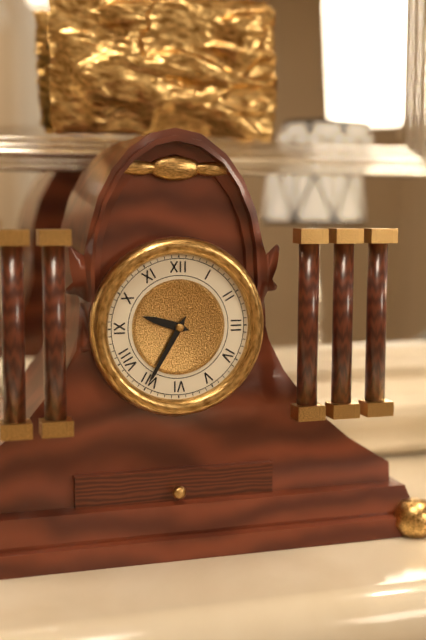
9.35
